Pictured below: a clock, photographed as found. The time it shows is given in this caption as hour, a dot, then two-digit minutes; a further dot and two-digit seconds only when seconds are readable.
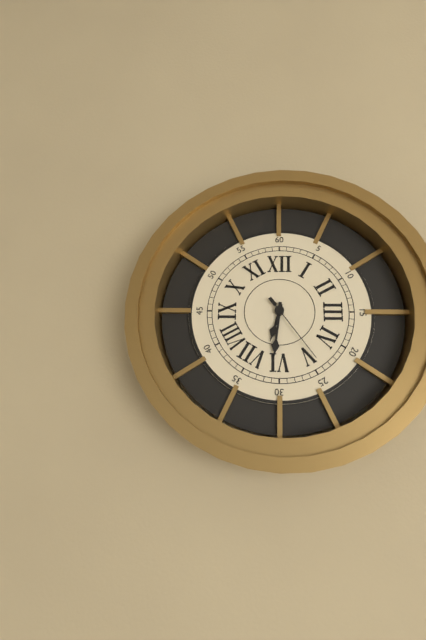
6.31.24
